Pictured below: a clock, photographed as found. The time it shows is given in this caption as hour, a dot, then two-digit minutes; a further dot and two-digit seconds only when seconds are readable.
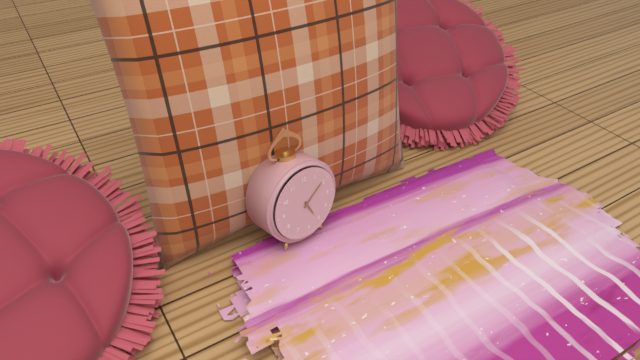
5.09
